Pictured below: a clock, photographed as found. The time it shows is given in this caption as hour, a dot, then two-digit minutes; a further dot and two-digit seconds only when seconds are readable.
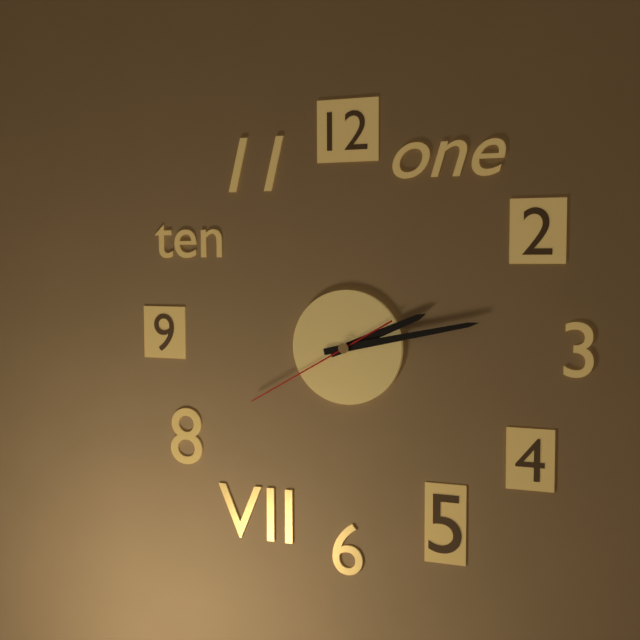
2.13.40
